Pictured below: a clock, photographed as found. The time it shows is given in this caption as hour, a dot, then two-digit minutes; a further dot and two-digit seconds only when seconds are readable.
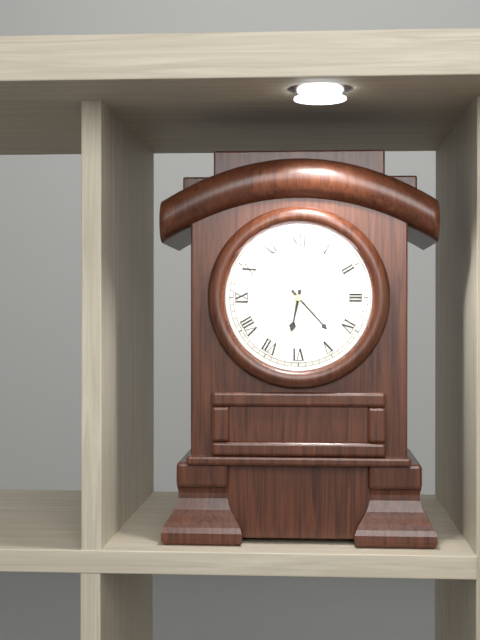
6.23
